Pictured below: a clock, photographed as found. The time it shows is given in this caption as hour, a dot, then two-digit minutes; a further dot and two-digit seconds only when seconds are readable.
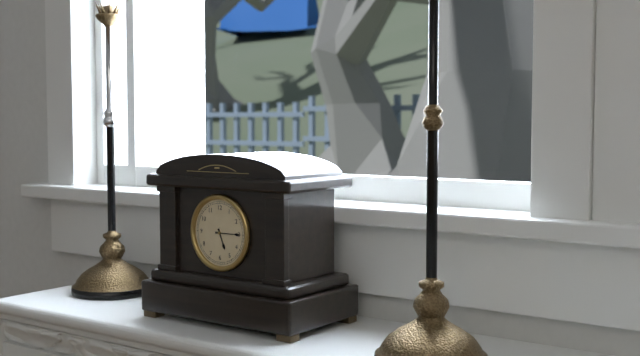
5.15
